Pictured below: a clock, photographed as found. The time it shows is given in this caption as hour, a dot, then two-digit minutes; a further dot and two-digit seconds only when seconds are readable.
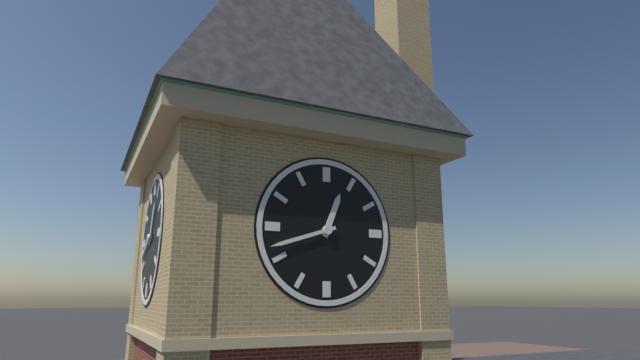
12.42
